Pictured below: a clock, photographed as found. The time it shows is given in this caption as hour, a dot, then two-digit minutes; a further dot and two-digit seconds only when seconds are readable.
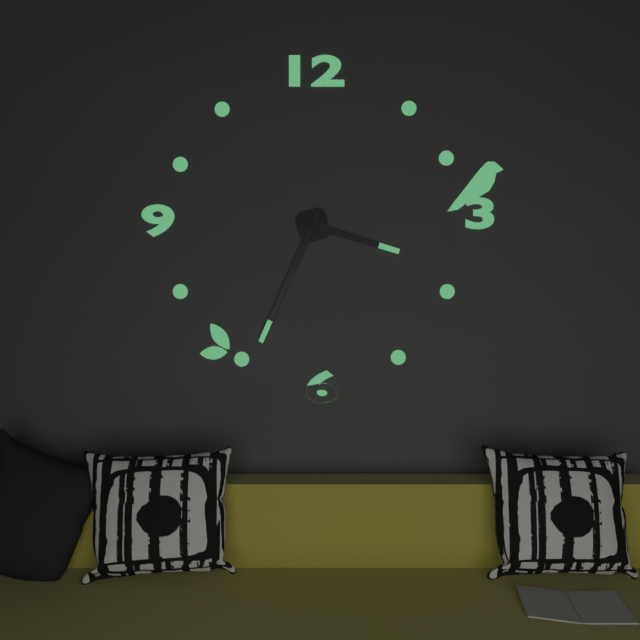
3.34
